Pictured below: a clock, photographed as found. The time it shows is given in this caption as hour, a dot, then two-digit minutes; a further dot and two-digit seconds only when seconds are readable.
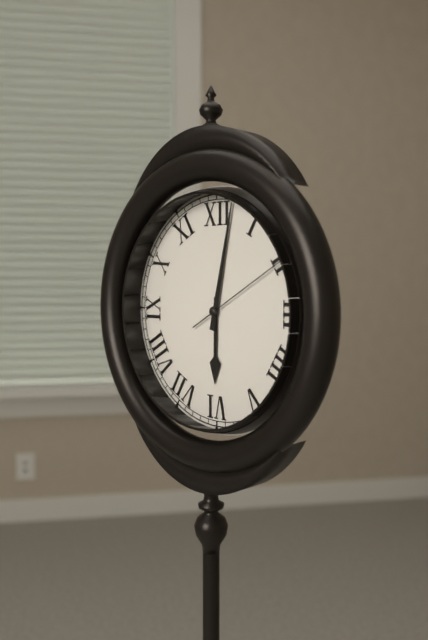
6.02.10
